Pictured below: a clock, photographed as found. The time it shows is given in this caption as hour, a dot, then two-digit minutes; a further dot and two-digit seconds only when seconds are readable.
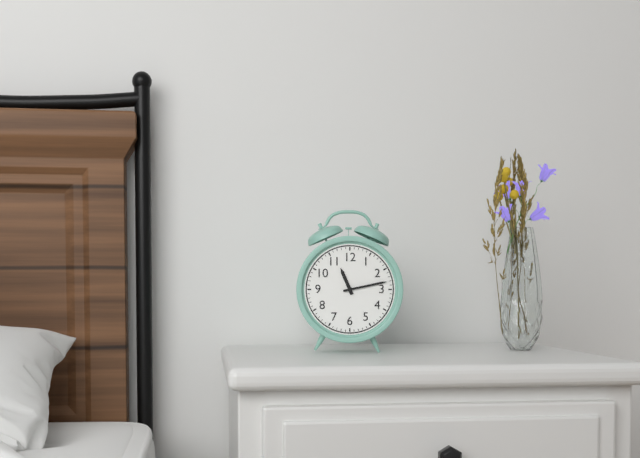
11.13
